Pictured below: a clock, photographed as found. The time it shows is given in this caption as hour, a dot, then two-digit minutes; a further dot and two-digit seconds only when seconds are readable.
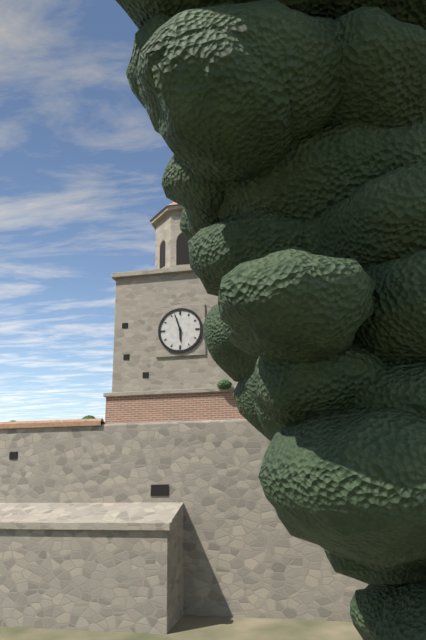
5.57
